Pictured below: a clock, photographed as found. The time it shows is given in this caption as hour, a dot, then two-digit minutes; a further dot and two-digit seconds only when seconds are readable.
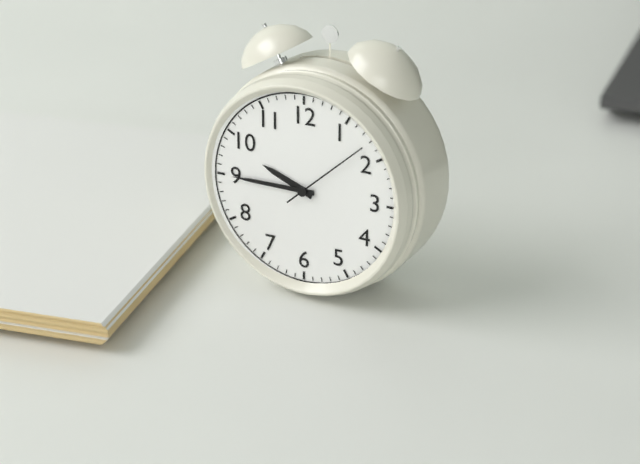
9.45.08
